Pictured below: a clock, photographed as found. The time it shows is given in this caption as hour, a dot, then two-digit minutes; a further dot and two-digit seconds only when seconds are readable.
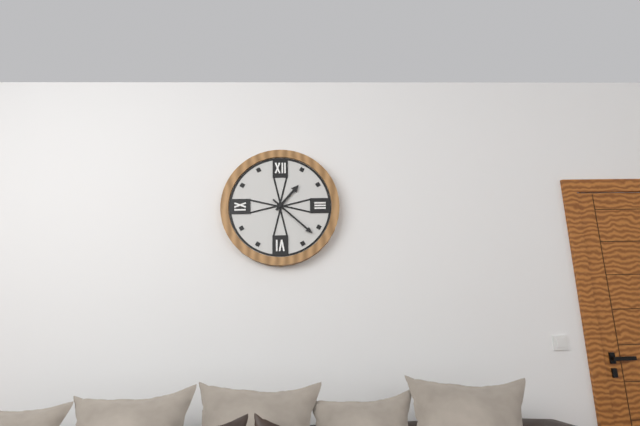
1.22
